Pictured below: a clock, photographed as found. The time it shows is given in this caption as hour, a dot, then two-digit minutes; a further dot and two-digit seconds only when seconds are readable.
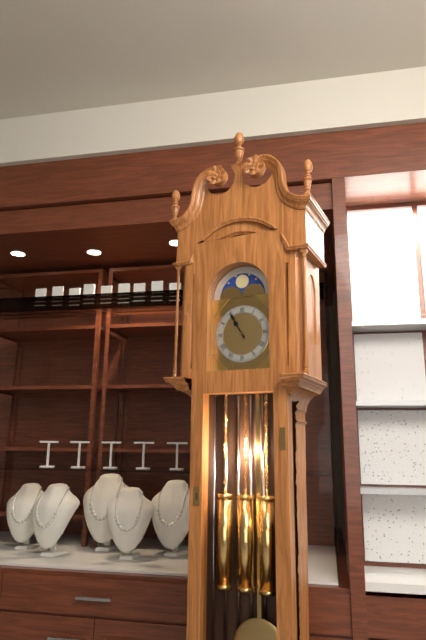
10.55
